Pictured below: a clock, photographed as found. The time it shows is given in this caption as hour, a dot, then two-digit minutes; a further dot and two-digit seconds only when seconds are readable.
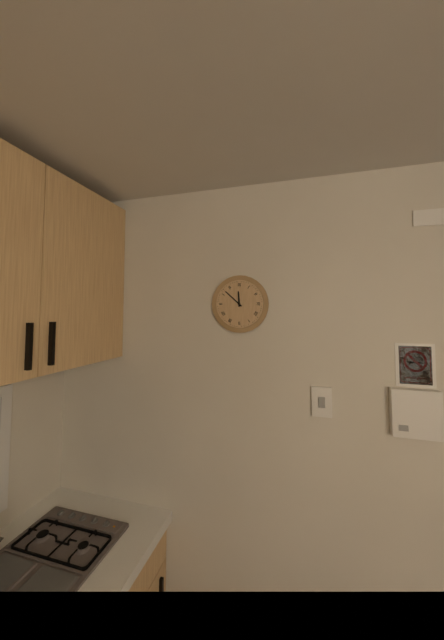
11.52
